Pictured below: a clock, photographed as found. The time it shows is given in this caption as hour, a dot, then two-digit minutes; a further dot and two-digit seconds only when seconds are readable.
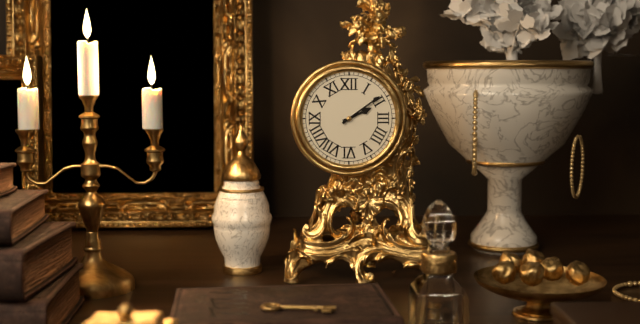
2.09
